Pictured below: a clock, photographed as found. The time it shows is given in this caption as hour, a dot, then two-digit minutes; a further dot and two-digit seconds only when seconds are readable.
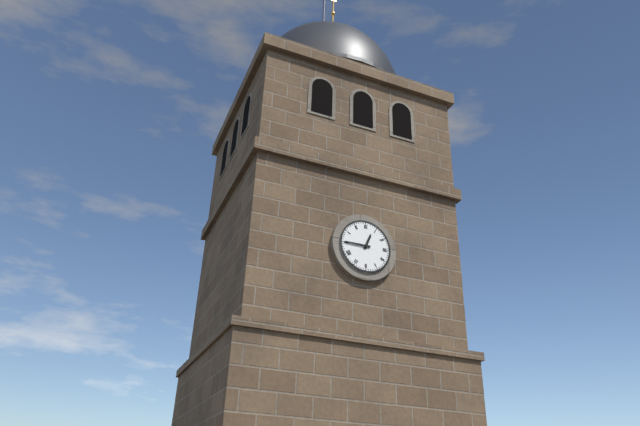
12.45
